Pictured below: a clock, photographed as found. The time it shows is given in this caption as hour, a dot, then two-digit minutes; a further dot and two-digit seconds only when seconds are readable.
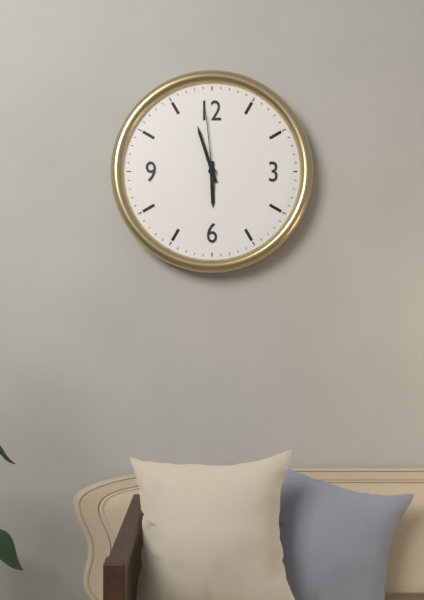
5.57.59
